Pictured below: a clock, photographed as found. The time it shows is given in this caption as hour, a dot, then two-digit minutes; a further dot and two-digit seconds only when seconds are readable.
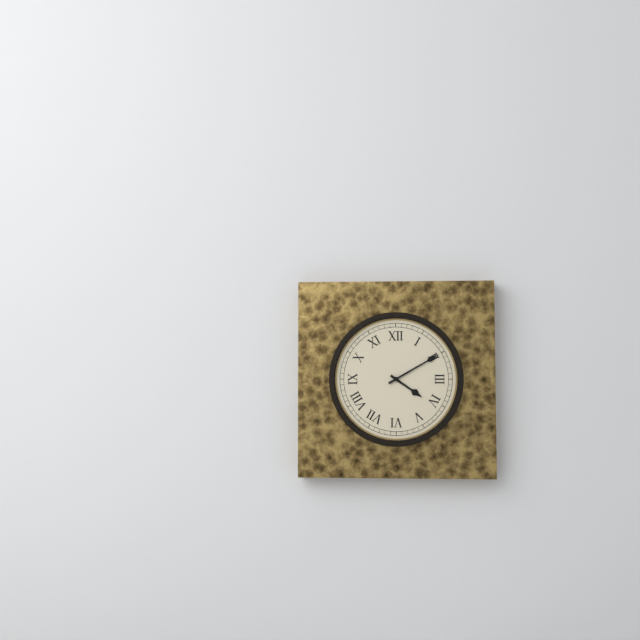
4.10
